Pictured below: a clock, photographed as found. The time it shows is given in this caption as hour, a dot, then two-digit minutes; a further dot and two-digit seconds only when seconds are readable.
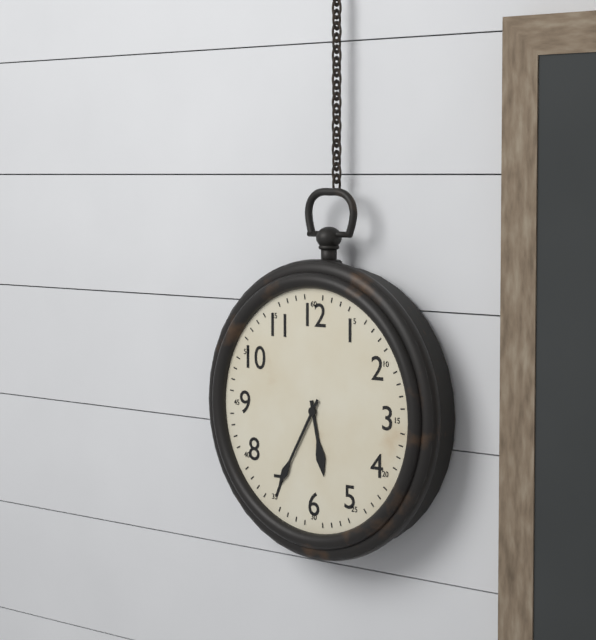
5.35
